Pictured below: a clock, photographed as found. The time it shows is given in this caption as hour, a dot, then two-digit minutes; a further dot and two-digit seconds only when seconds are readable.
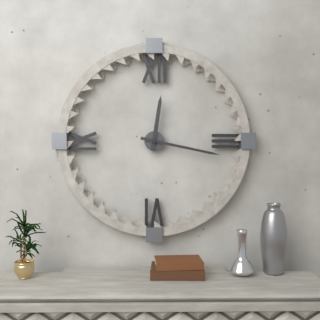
12.17
